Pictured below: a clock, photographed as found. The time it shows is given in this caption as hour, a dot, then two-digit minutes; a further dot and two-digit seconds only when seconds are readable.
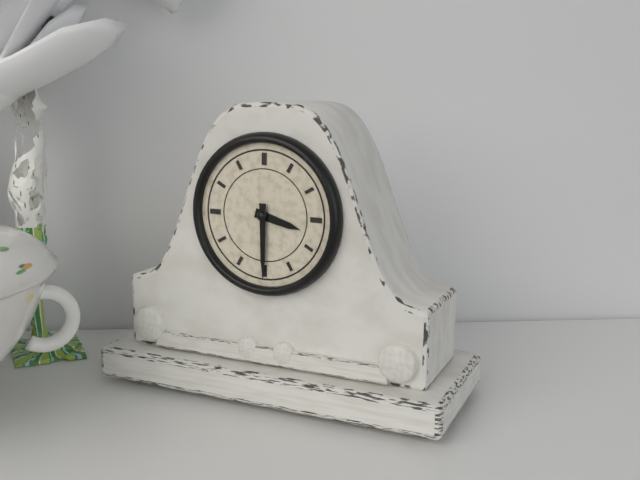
3.30
